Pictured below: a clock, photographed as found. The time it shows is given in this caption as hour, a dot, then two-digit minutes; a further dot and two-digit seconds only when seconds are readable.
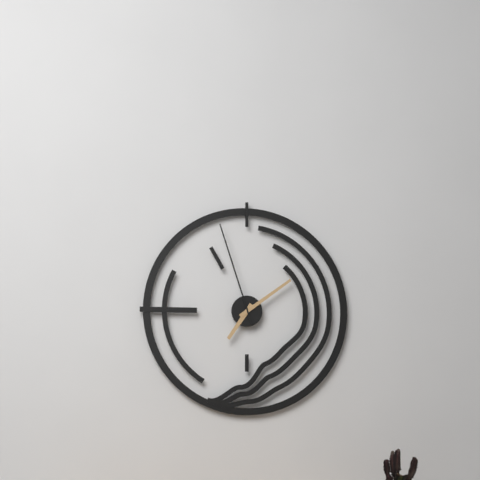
7.09.57
